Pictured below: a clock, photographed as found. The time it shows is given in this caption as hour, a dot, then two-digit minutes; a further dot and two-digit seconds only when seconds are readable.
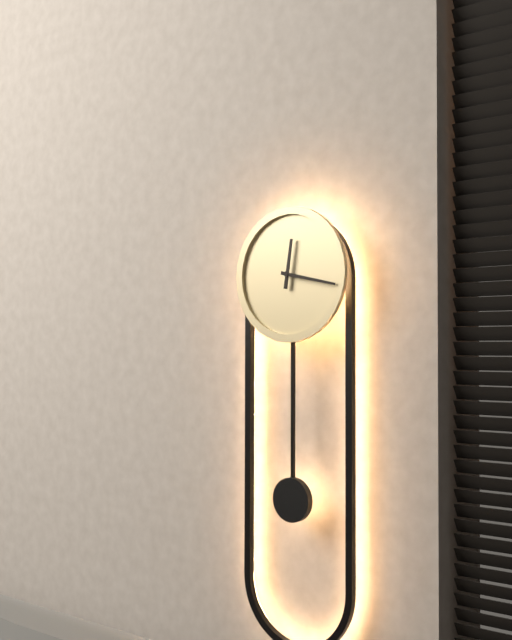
12.17
